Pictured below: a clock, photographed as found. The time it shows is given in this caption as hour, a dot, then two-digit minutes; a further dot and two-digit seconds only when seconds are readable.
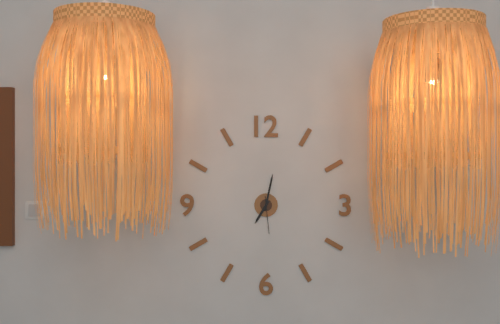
7.02
